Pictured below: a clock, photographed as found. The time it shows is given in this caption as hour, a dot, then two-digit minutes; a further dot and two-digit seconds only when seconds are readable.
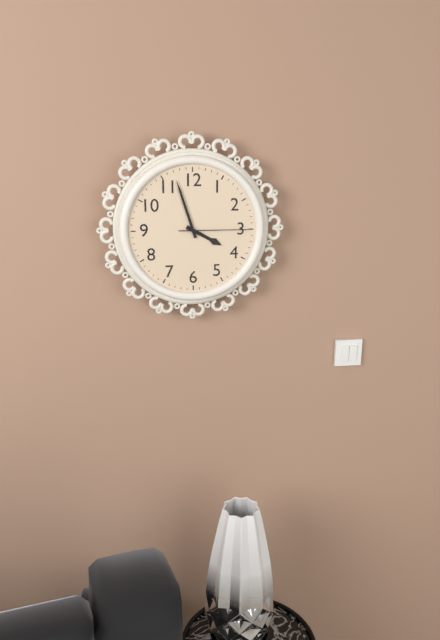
3.57.15
